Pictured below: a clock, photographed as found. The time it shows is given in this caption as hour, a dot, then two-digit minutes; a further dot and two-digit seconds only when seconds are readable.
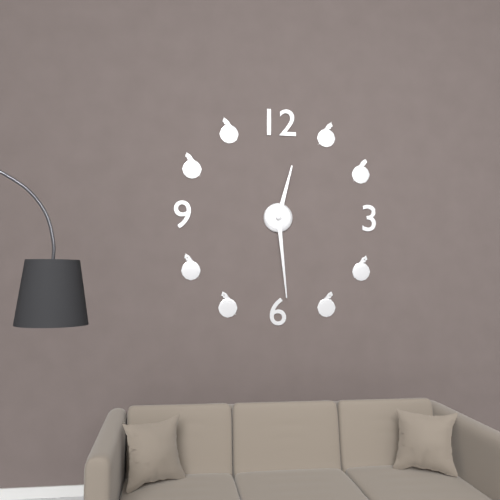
12.29
